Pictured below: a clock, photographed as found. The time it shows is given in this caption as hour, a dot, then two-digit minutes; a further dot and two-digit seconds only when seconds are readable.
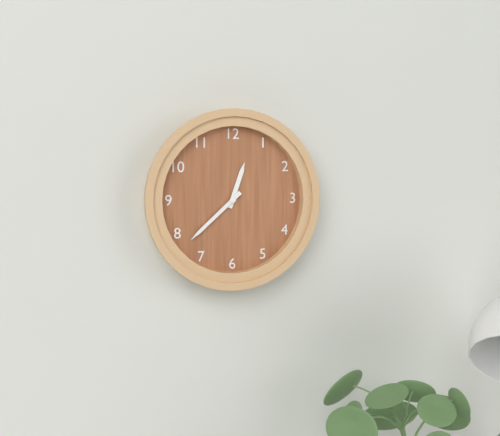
12.38
